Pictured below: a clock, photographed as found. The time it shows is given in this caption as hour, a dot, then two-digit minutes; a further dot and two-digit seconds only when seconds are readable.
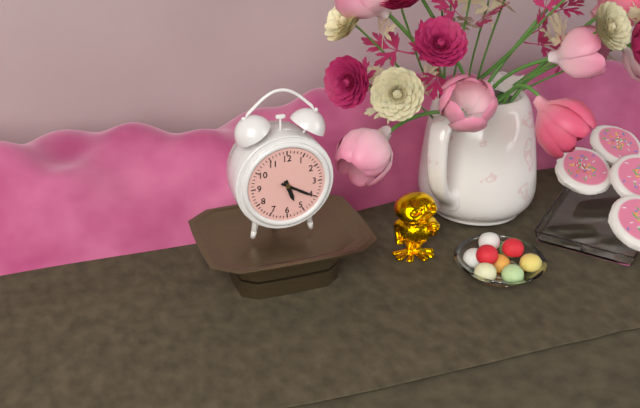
5.20
